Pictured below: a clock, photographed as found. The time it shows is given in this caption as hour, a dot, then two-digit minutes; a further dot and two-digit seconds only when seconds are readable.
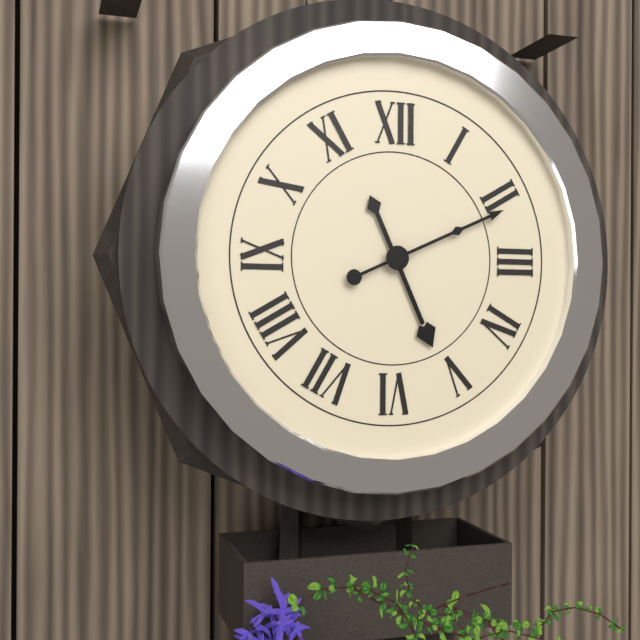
5.11
